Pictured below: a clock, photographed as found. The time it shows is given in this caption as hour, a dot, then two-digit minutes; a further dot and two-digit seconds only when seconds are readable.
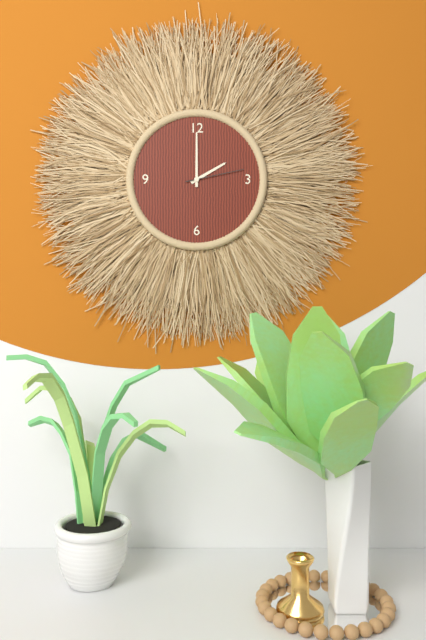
2.00.13
